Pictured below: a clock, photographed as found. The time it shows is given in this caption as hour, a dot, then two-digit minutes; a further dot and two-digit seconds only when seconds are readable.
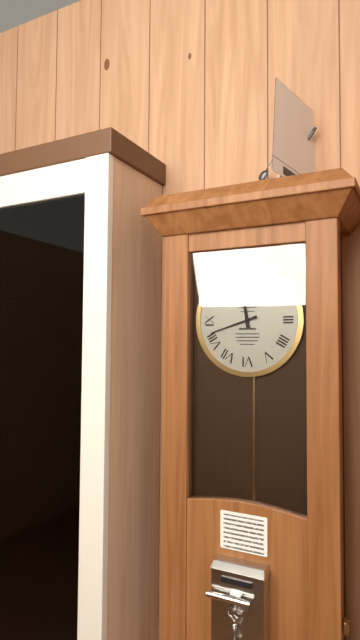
11.42
